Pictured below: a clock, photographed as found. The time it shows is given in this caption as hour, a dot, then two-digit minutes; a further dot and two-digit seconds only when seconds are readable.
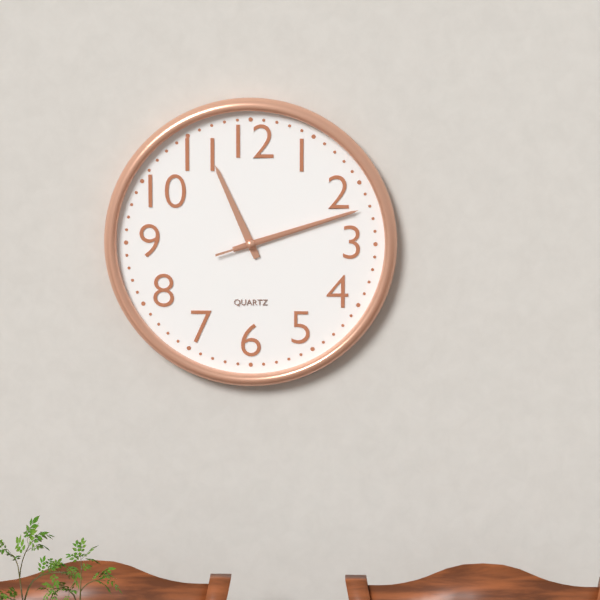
11.12.12
